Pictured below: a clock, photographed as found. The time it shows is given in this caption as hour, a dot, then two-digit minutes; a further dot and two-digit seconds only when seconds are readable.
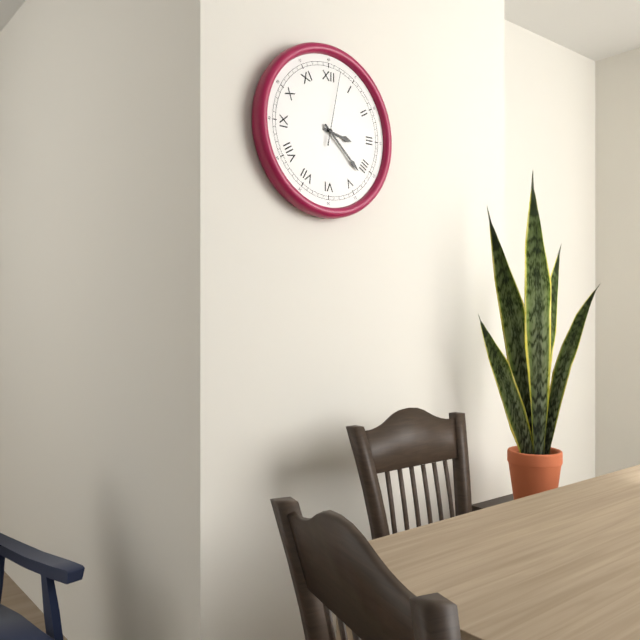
3.22.02
